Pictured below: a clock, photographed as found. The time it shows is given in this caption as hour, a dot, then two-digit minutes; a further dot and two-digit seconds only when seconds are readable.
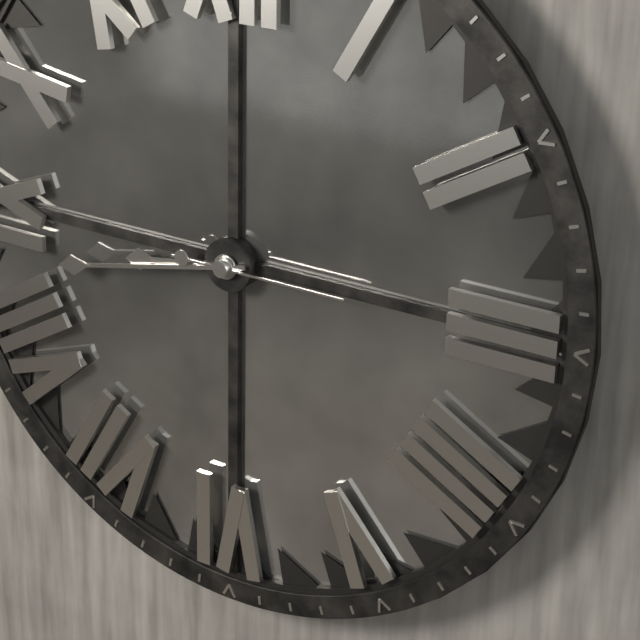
8.43.15
